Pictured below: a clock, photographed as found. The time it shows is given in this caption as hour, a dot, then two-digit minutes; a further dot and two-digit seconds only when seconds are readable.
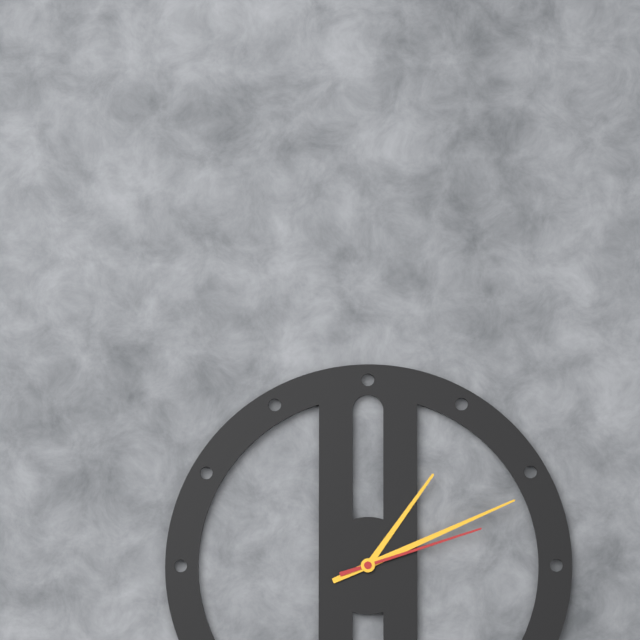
1.11.12
